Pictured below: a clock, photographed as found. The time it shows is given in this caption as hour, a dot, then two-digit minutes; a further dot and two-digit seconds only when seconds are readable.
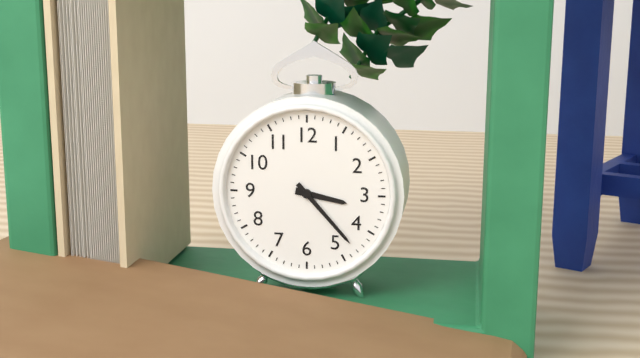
3.23
